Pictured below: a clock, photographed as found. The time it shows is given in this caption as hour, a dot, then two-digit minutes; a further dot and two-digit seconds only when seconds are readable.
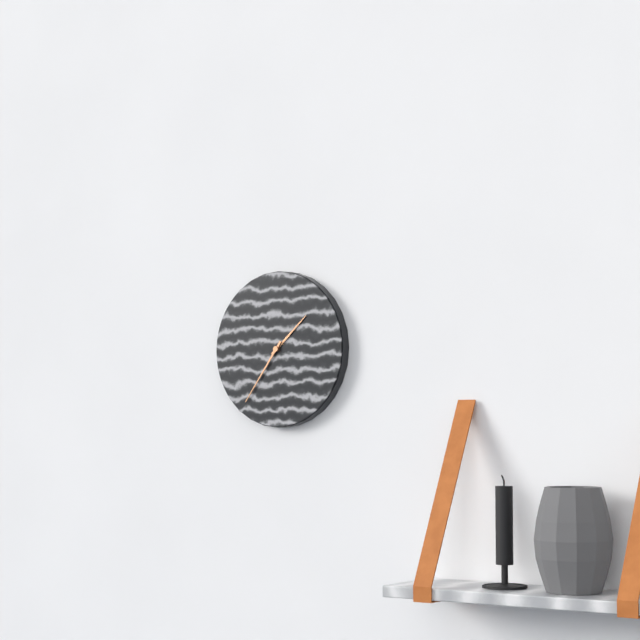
1.36
